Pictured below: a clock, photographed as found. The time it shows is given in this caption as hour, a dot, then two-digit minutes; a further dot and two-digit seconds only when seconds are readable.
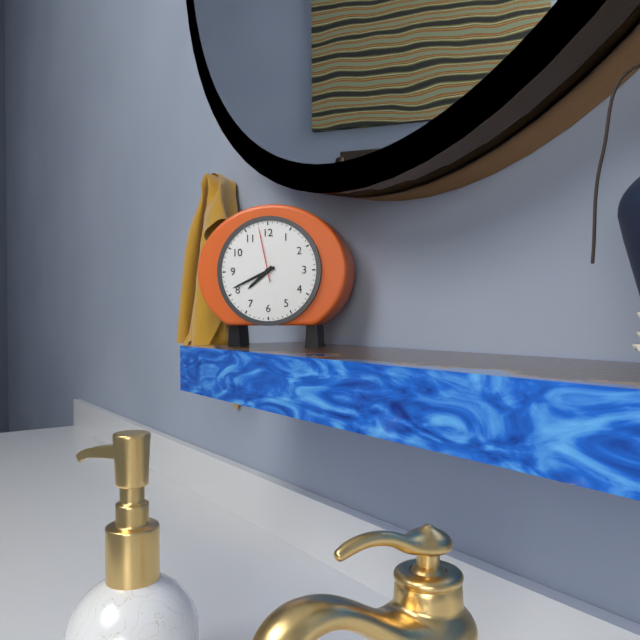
7.41.58
